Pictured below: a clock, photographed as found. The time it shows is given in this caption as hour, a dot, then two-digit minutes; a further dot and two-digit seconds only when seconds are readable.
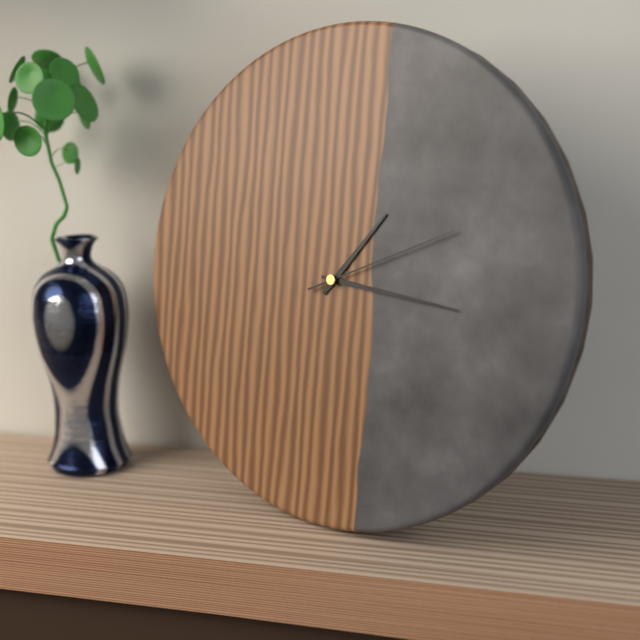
1.16.11
